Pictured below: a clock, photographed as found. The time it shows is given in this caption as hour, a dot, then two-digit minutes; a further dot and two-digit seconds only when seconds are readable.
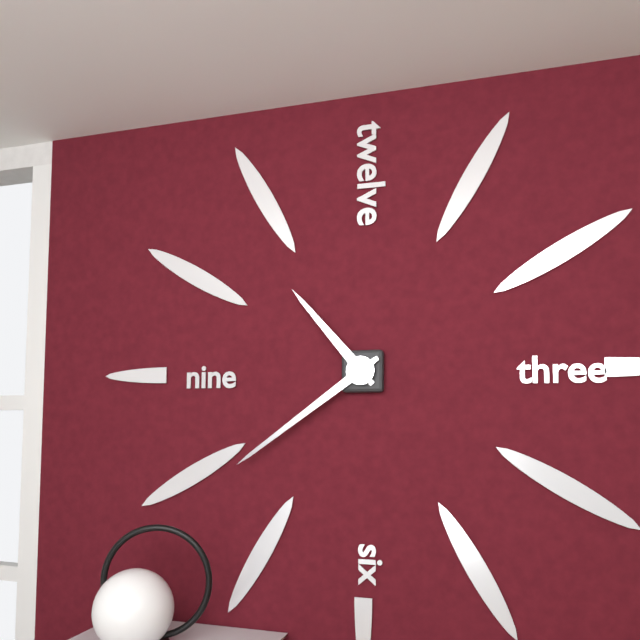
10.39
